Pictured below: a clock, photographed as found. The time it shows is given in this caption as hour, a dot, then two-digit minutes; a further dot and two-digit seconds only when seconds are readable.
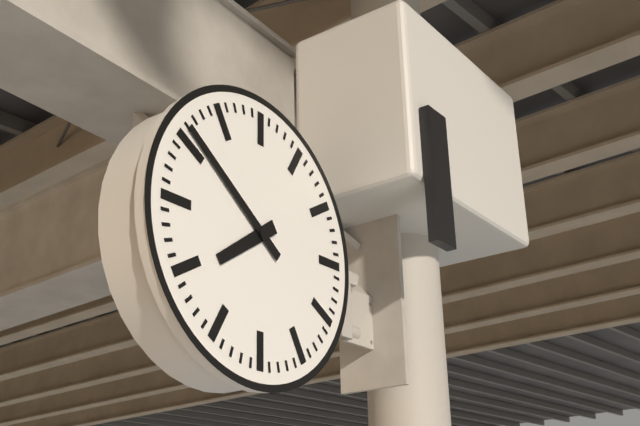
7.51
